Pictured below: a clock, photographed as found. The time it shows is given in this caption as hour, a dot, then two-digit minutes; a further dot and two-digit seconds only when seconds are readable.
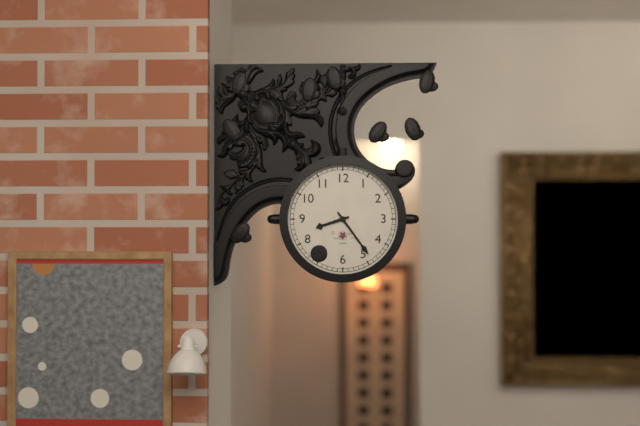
8.24
